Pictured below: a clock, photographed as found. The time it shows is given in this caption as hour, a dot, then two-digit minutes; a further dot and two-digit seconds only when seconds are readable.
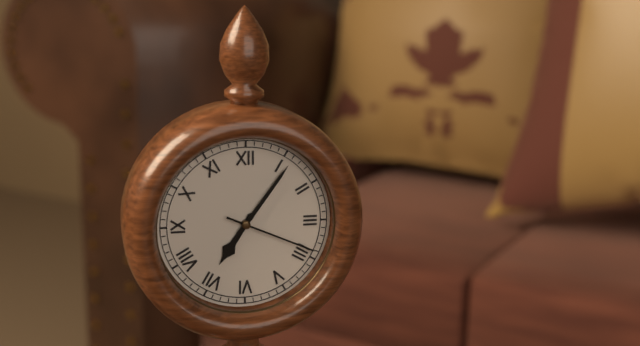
7.06.19
